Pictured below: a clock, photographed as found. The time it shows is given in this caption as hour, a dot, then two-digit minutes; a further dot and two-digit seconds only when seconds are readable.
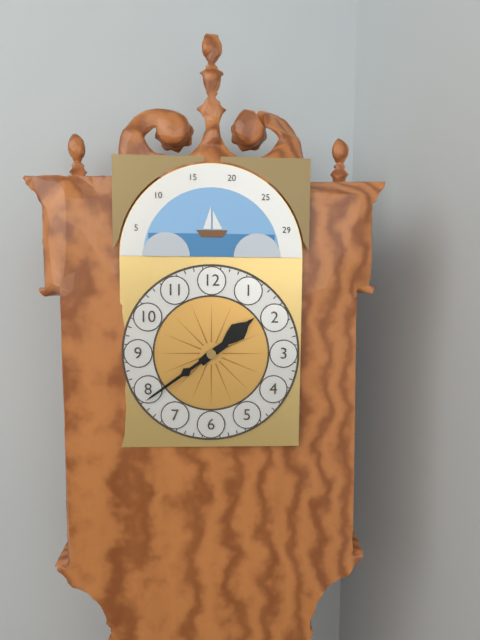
1.39
